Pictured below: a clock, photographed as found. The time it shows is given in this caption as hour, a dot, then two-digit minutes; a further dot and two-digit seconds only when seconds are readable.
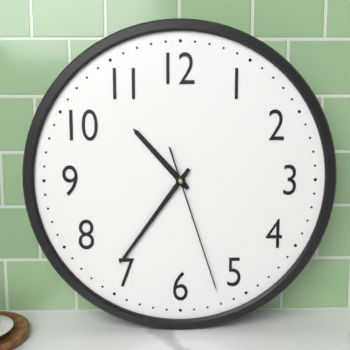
10.36.27
